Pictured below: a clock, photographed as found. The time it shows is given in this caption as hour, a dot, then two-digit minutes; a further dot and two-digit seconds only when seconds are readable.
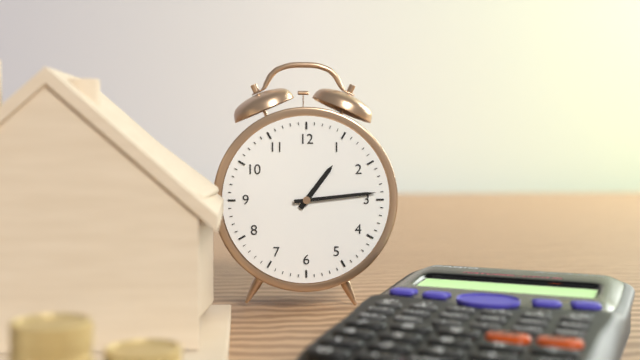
1.14
